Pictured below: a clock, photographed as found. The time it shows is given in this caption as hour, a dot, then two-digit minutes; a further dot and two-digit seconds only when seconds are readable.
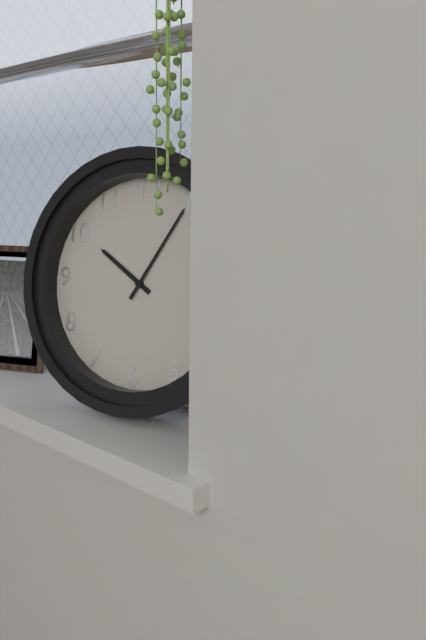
10.05
